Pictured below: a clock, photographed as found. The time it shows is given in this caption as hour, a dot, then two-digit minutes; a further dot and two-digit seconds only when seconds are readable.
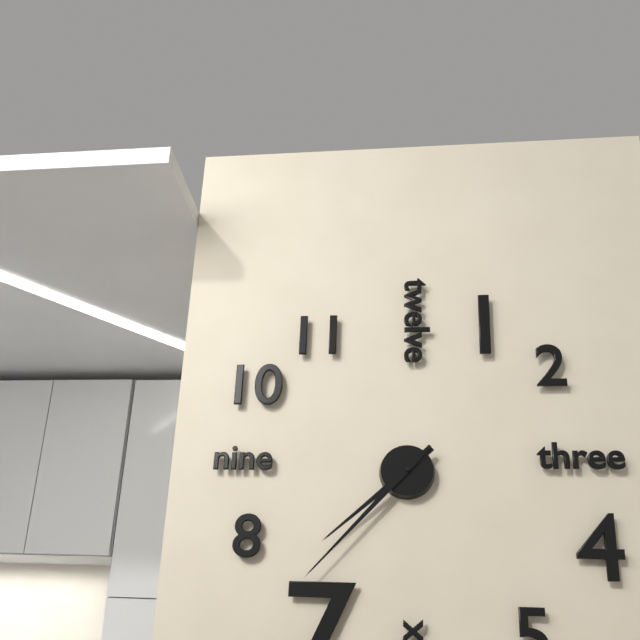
7.37
